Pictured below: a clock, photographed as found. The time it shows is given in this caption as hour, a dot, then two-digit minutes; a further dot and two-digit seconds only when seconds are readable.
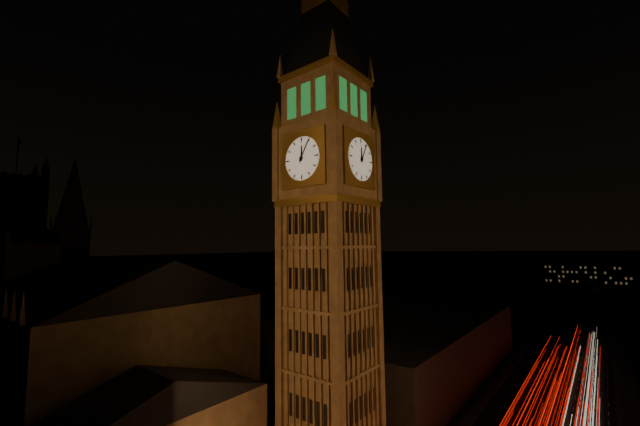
12.05
